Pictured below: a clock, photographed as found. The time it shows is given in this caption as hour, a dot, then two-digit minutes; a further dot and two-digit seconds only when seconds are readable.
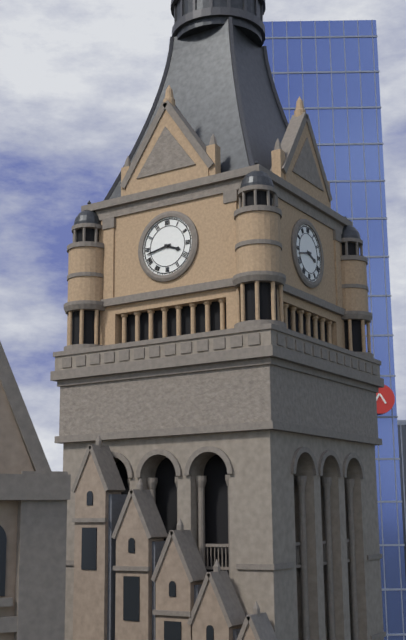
3.43
